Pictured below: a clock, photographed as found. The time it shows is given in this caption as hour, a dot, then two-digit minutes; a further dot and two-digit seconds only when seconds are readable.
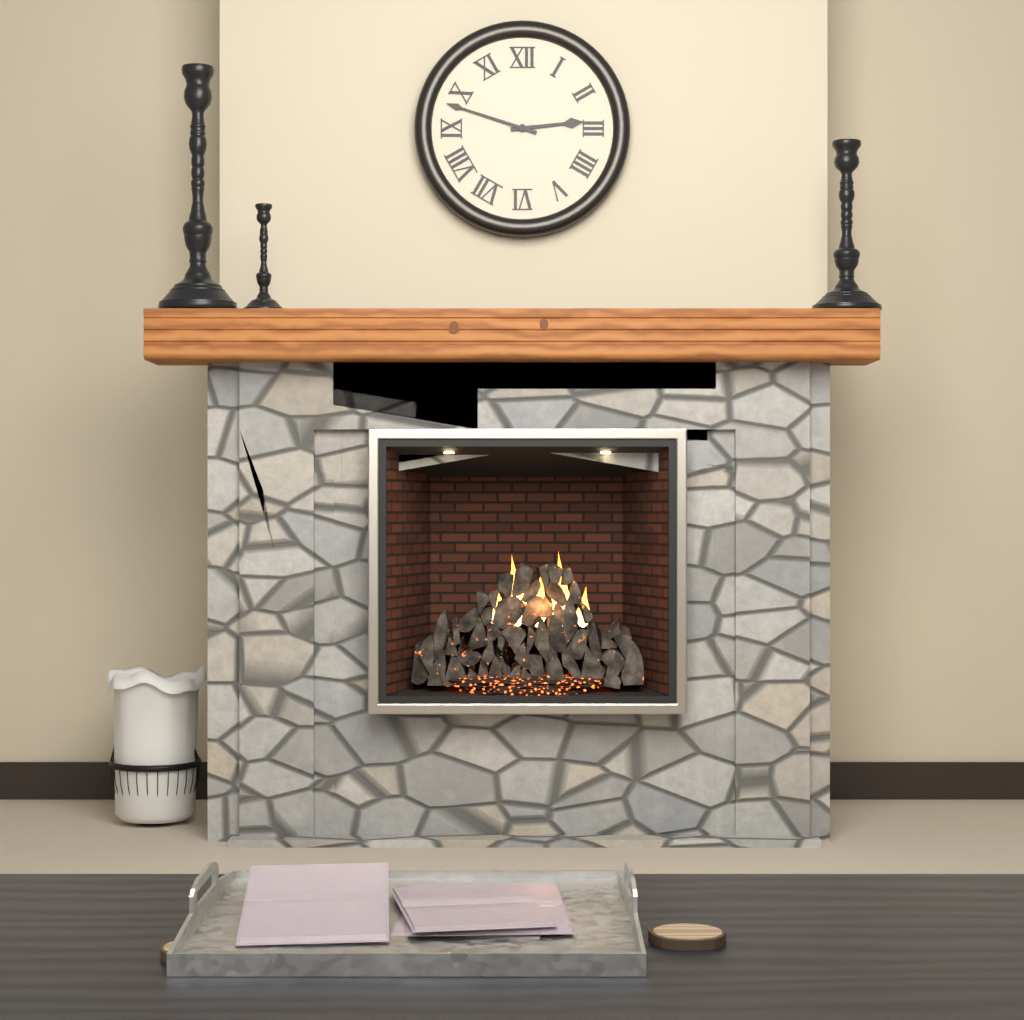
2.48
